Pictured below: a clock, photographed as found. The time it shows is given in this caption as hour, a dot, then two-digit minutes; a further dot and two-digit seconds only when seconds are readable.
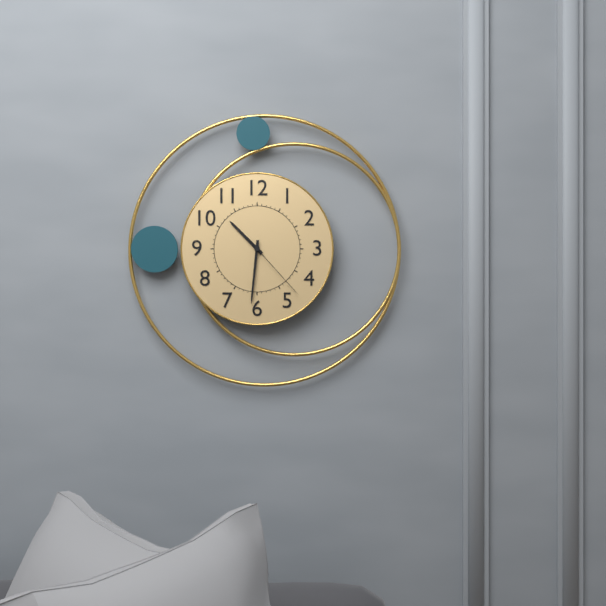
10.31.23
